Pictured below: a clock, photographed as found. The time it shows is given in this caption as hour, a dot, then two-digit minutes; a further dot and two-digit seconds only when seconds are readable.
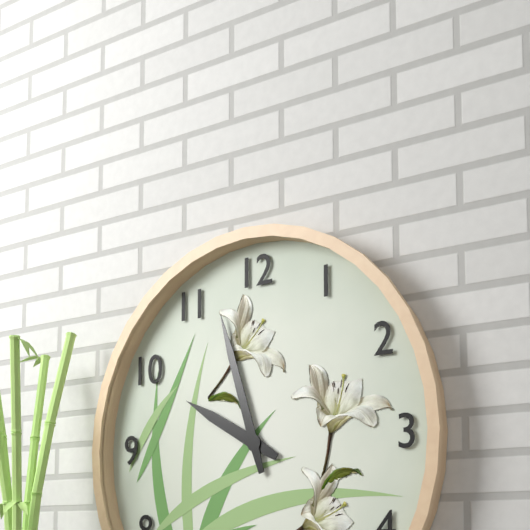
9.57
